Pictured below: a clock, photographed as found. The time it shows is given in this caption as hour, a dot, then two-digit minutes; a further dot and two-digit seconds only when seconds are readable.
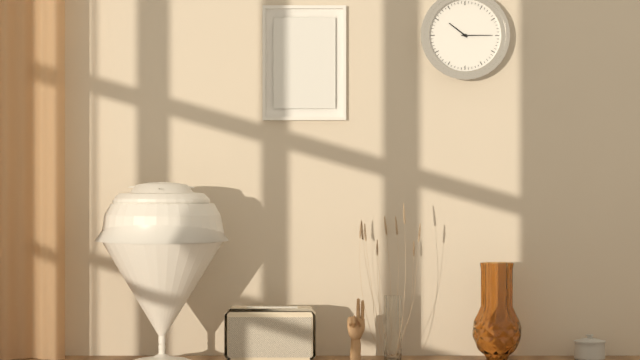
10.15
